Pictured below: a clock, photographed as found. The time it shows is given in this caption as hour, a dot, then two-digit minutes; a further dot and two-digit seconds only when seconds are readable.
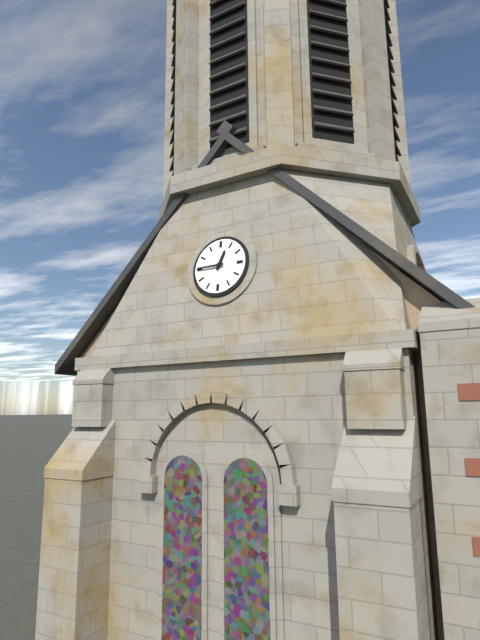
12.45
